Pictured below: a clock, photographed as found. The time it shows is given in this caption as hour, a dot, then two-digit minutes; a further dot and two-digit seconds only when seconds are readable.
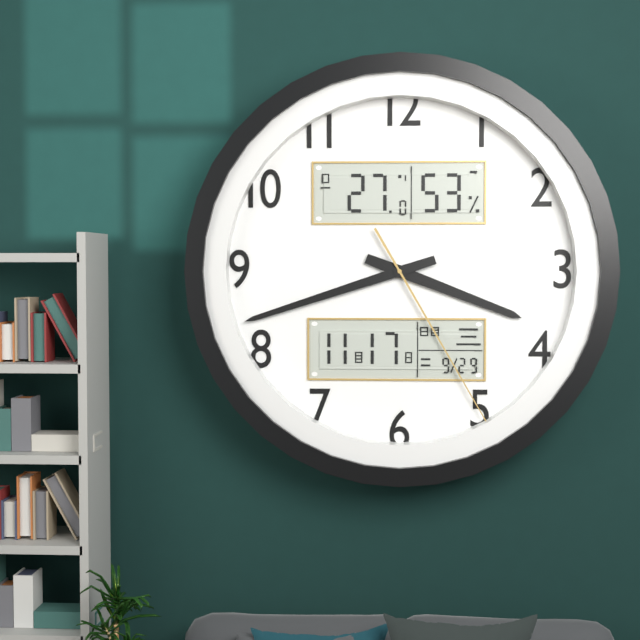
3.42.25
